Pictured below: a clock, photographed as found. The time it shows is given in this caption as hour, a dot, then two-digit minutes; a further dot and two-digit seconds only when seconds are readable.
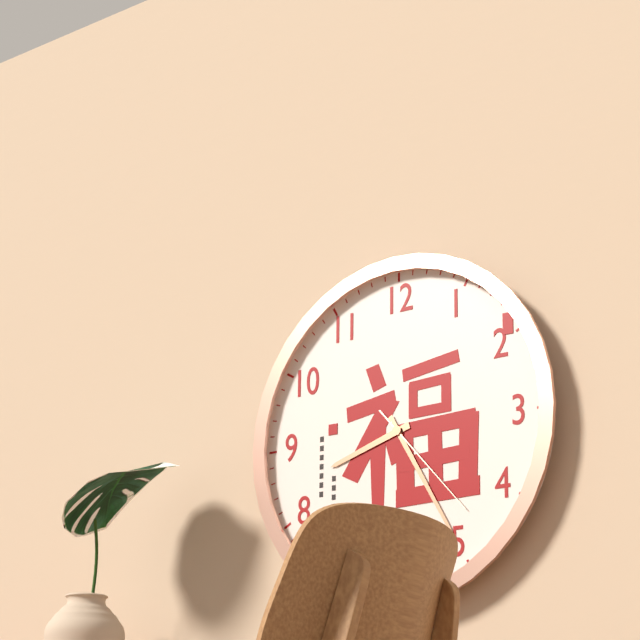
8.25.23
